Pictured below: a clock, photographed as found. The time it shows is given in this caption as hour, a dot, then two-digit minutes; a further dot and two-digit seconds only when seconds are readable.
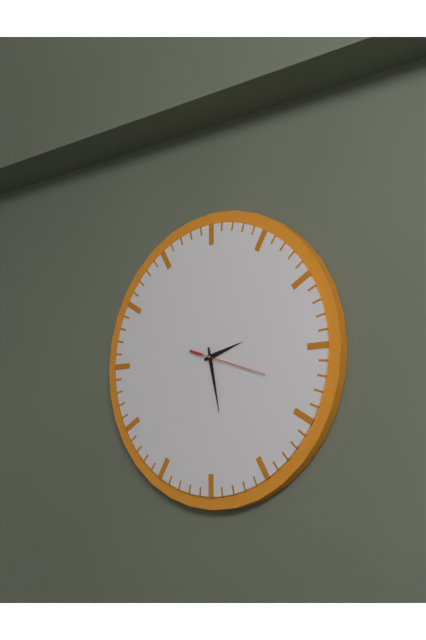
2.28.18
